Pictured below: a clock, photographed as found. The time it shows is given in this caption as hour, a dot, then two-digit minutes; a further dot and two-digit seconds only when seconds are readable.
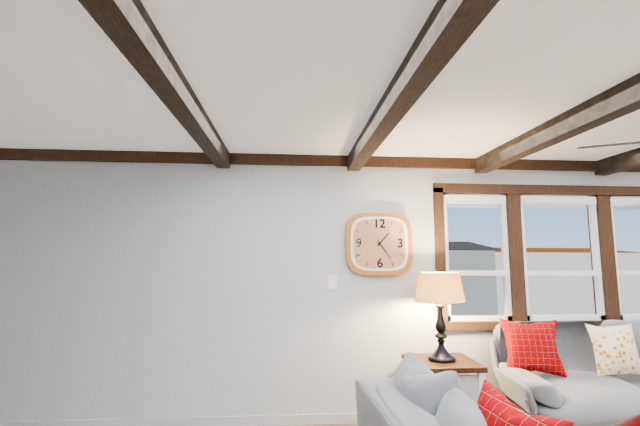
1.24
